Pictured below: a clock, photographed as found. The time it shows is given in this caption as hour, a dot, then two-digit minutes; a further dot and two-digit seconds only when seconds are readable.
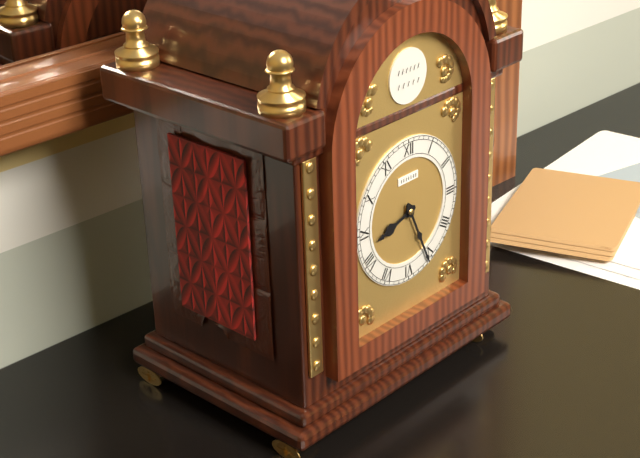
8.26
